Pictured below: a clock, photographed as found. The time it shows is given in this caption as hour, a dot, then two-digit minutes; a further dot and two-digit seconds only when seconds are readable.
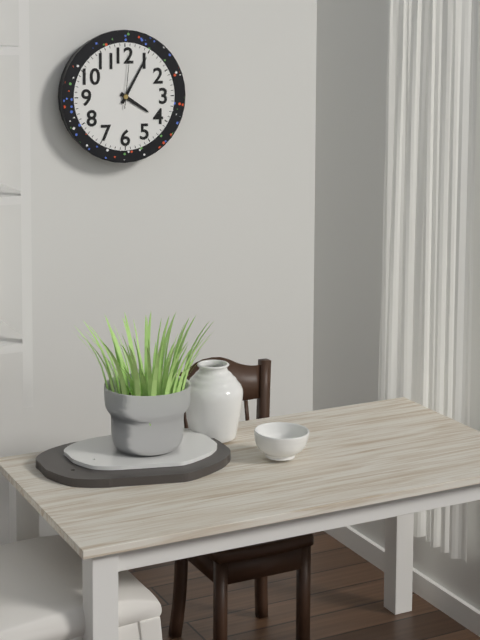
4.05.01
